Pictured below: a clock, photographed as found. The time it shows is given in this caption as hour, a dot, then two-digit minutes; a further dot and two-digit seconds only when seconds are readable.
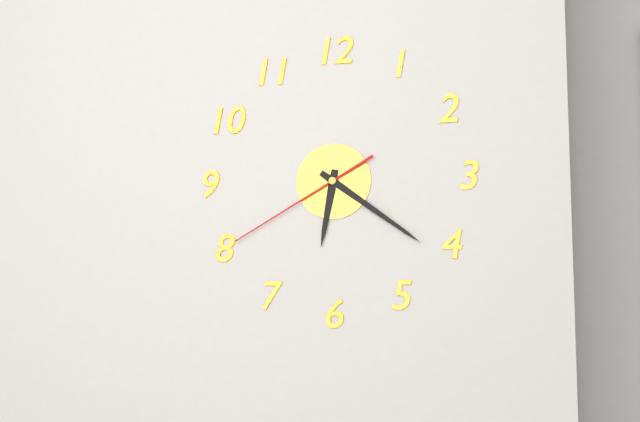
6.21.40
